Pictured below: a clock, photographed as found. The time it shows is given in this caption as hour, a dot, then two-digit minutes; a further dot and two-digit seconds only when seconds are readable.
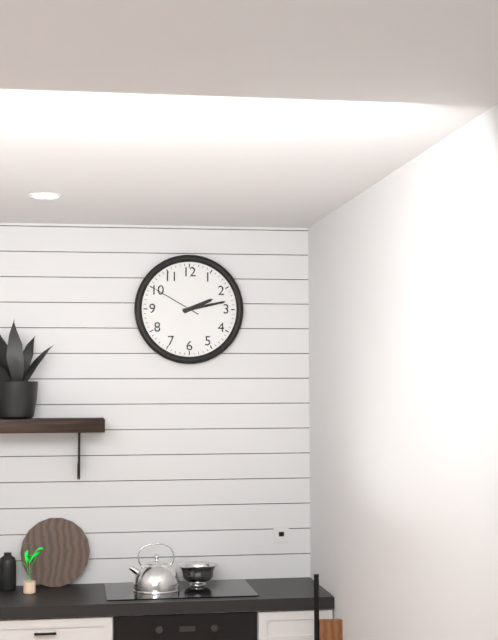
2.13.50
